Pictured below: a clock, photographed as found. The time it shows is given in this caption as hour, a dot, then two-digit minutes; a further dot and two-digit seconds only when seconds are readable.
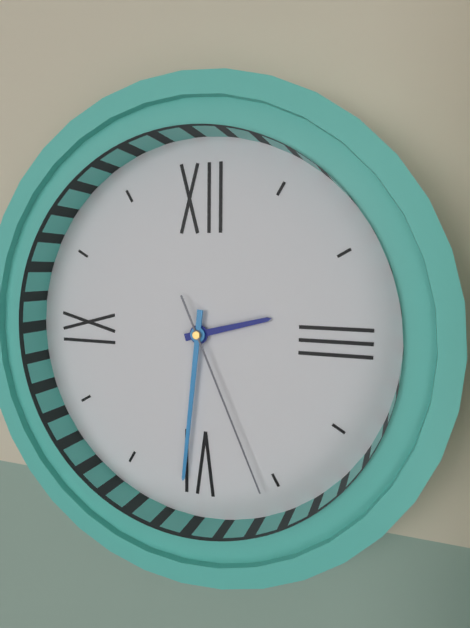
2.31.26
